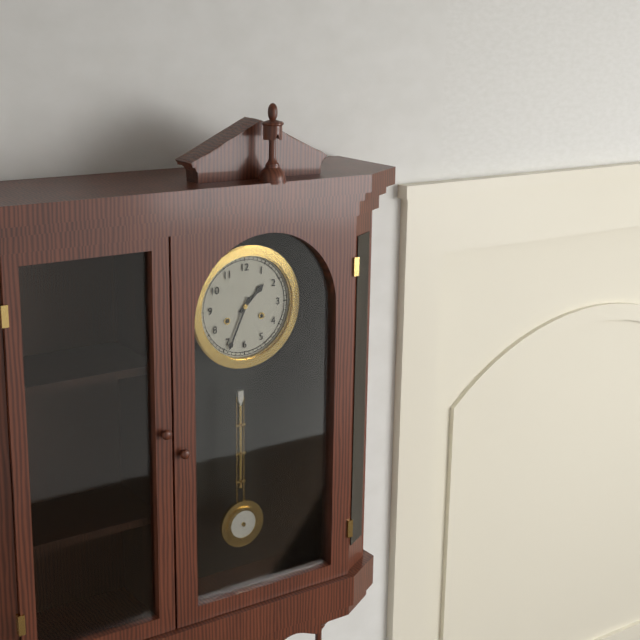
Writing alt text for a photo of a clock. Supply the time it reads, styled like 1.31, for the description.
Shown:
1.34
